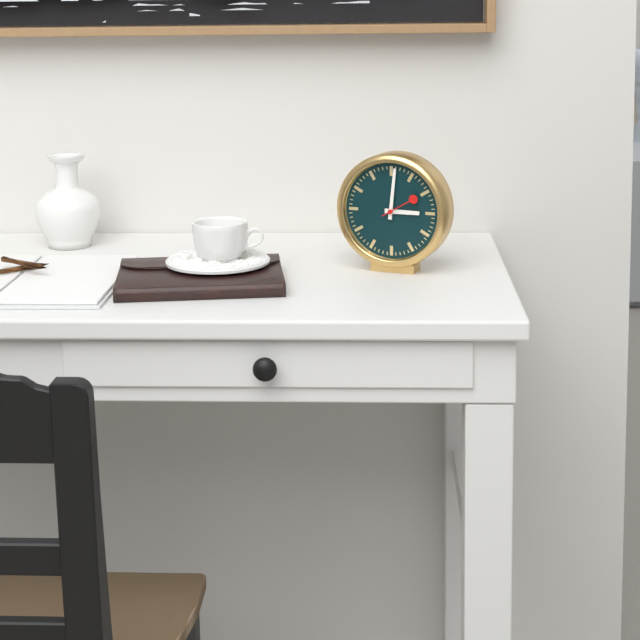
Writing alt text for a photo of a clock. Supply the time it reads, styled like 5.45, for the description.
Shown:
3.01
